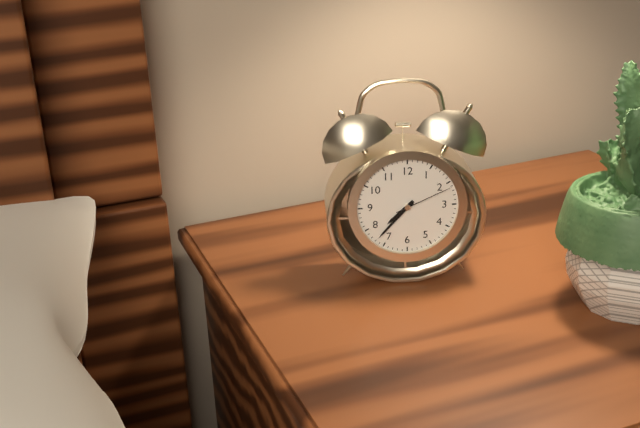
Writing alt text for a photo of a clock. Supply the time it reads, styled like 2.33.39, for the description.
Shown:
7.37.11
